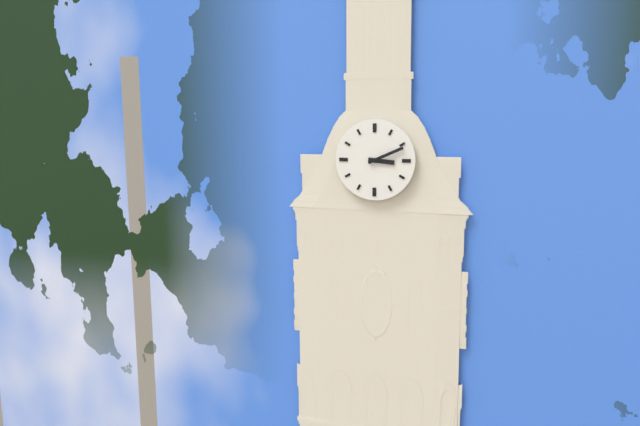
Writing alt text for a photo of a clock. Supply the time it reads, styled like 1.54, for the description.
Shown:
3.11
